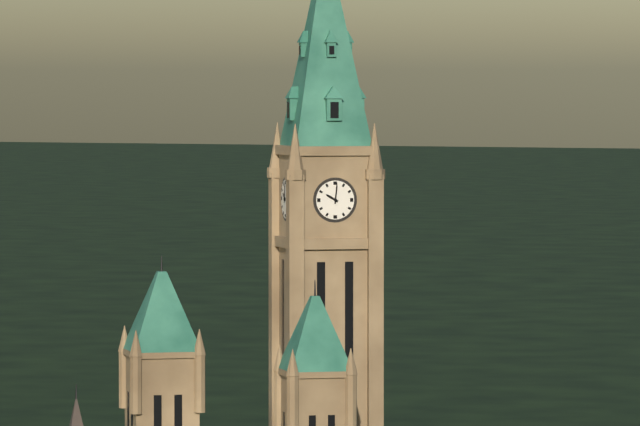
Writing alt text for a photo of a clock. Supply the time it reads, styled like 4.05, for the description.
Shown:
10.01
